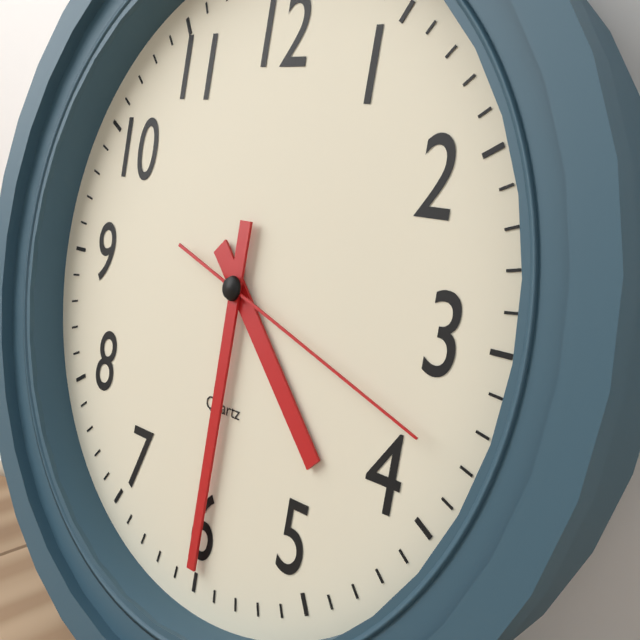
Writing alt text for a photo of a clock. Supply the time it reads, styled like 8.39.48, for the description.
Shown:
4.30.18
